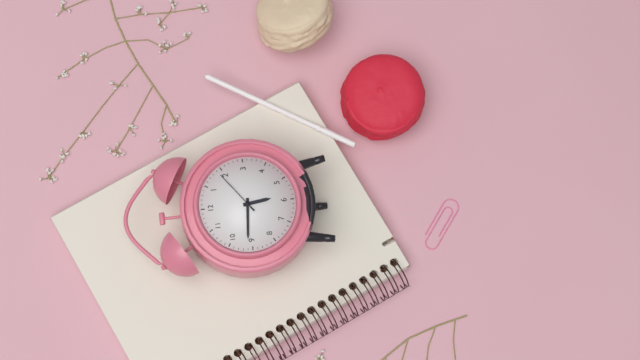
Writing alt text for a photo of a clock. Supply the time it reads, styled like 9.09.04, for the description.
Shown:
5.46.09
